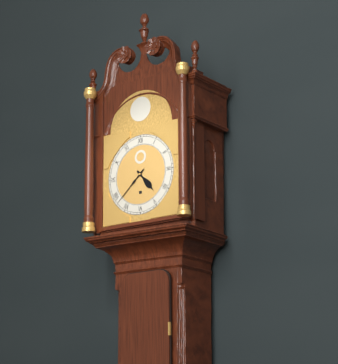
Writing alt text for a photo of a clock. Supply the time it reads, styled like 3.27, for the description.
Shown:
4.38
